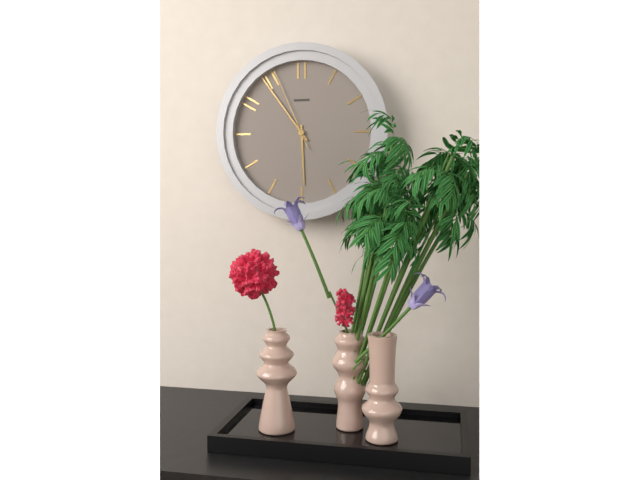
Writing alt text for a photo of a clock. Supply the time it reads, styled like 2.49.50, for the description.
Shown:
5.54.56
